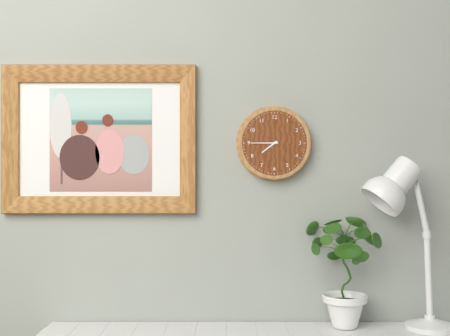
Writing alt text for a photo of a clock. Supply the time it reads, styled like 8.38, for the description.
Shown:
7.45
